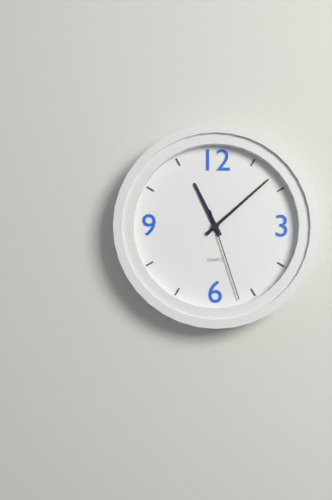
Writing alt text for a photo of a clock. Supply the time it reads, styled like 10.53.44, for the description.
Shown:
11.08.27
